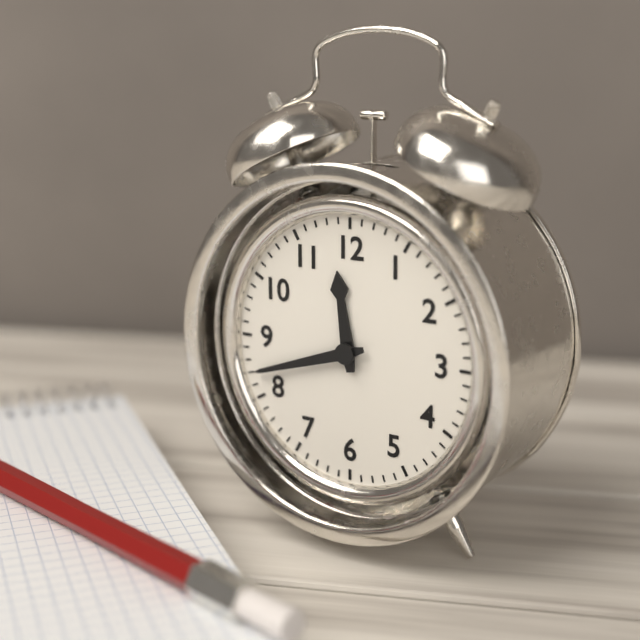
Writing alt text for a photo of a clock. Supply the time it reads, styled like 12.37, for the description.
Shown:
11.42
